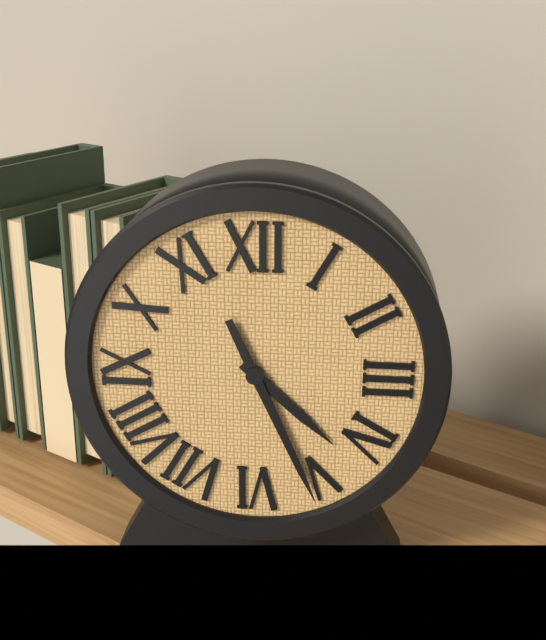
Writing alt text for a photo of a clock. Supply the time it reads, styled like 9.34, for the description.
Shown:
4.26
